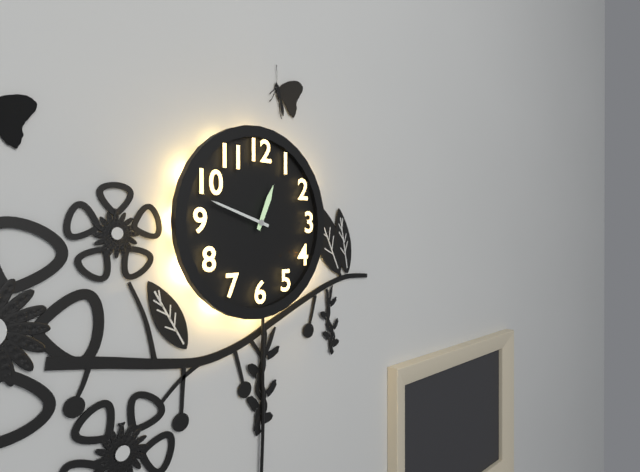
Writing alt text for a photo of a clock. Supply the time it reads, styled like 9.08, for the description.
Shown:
12.48
